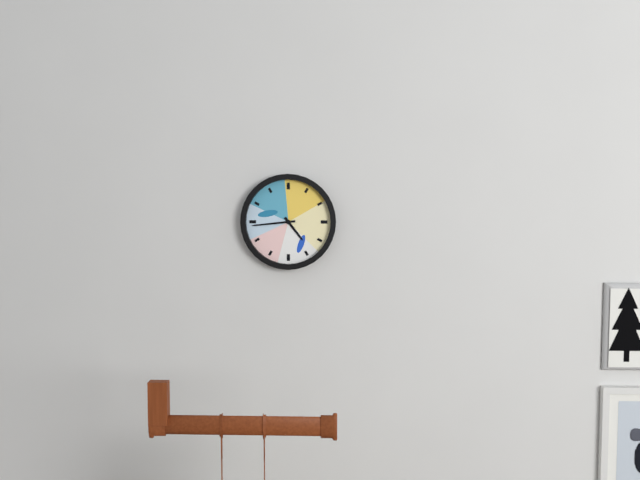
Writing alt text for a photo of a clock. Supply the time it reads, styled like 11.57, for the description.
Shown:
4.44
